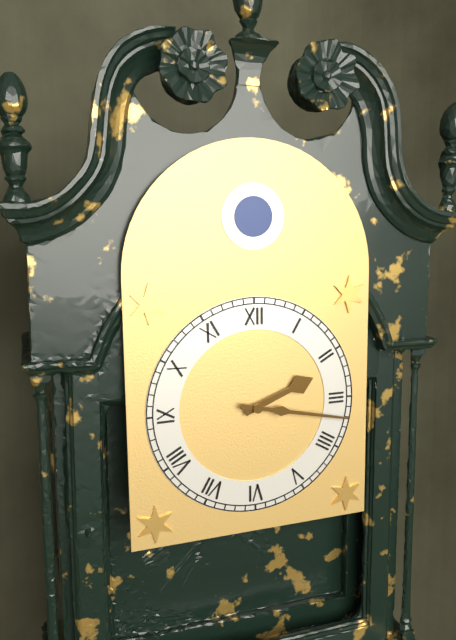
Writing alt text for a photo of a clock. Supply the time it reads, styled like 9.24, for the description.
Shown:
2.17
